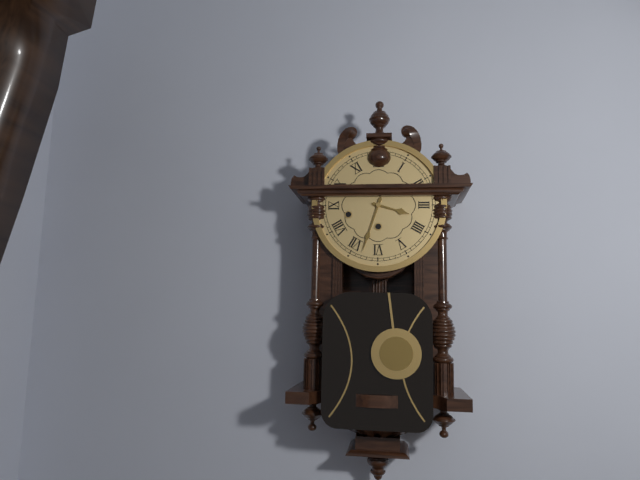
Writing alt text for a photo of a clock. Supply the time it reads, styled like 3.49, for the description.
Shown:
3.33
